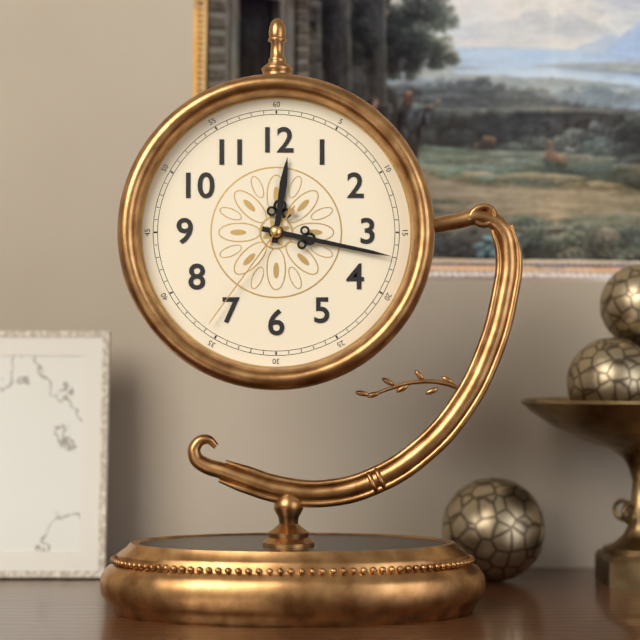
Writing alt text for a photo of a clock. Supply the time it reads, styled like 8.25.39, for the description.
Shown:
12.17.36
